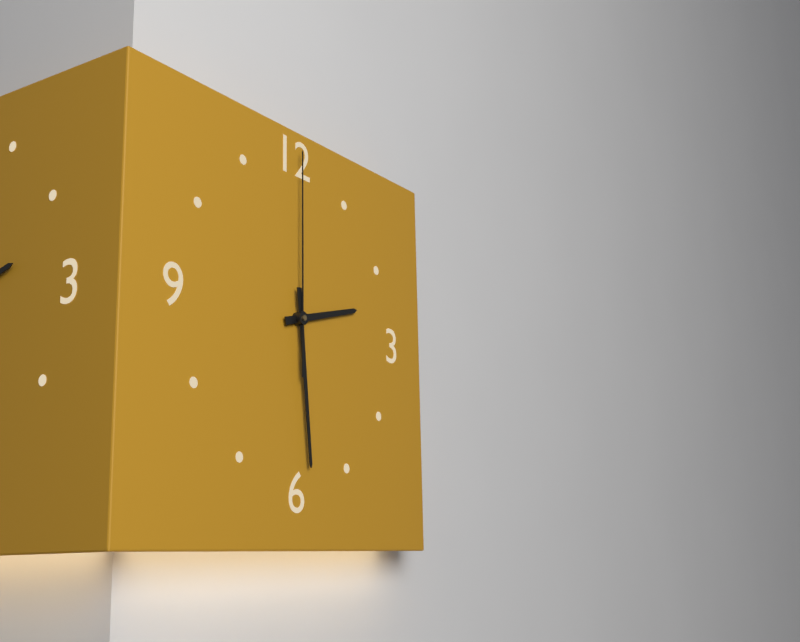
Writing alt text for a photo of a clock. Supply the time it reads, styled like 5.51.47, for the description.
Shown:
2.29.00
